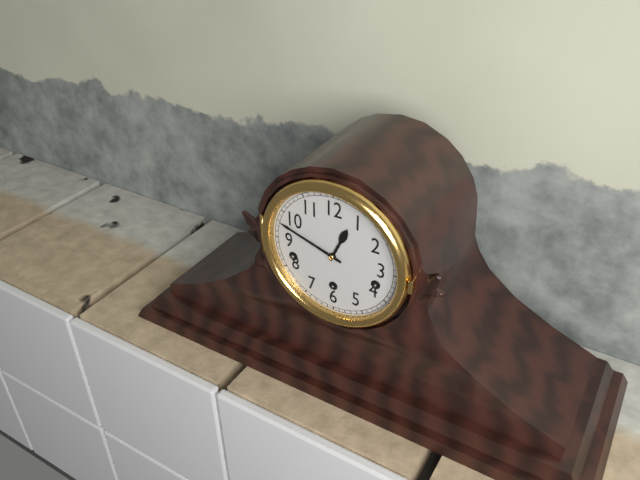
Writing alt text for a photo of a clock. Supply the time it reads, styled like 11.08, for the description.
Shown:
12.48
